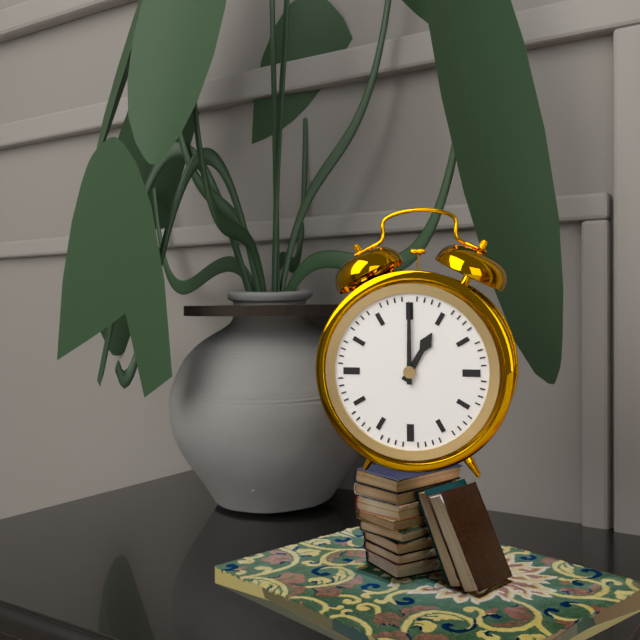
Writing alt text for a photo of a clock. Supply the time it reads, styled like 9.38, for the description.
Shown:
1.00
